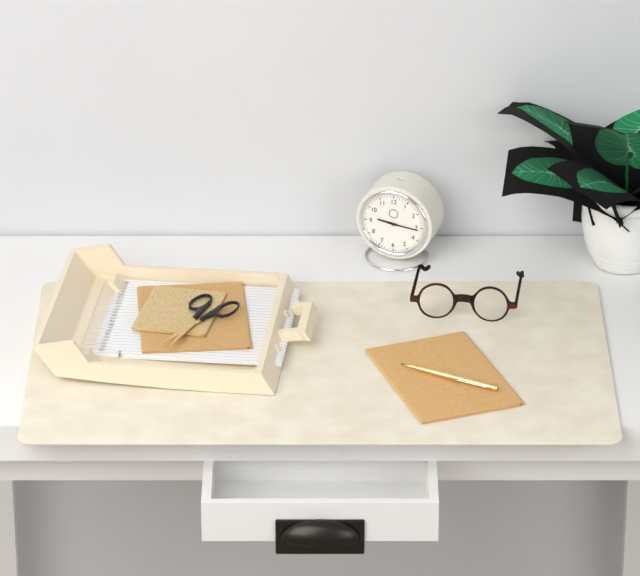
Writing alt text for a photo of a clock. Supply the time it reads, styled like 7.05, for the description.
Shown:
9.16
